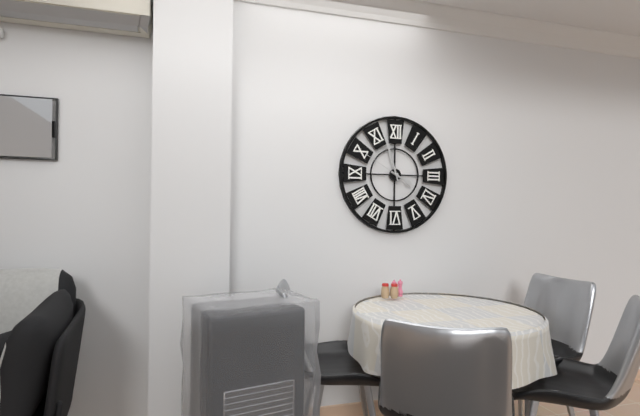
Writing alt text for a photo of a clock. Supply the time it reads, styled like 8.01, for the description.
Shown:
3.57
